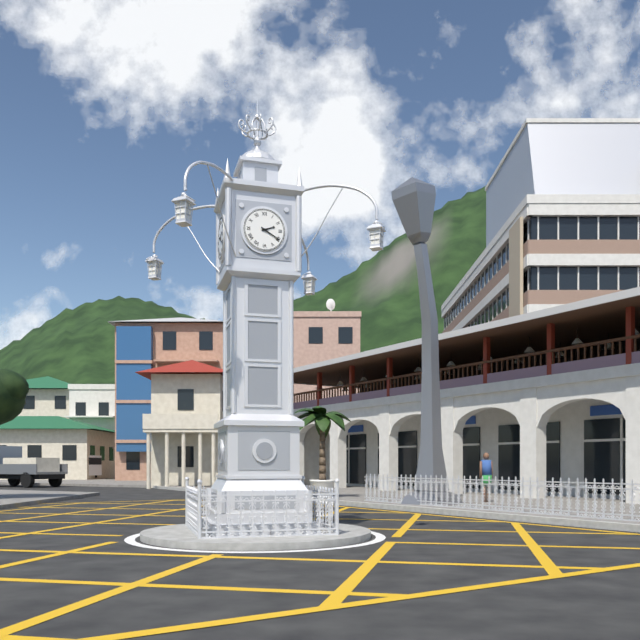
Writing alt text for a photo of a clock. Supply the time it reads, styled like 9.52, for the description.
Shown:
2.20
